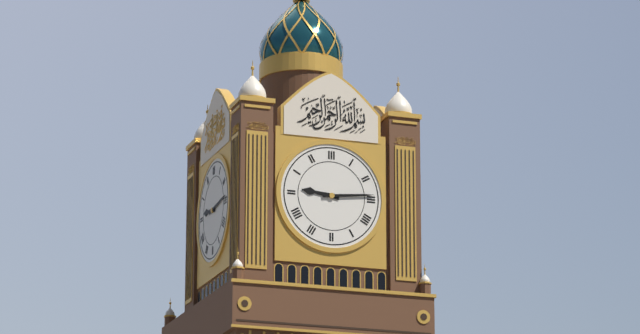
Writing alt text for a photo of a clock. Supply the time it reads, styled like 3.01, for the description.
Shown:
9.14
